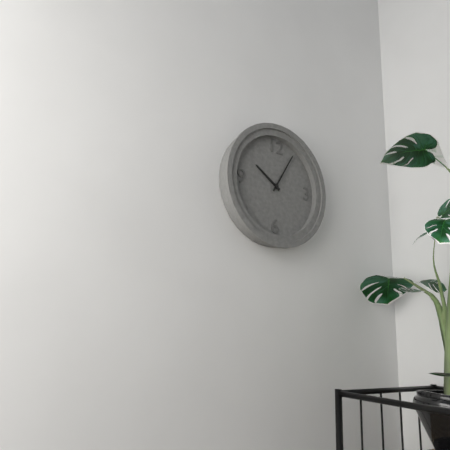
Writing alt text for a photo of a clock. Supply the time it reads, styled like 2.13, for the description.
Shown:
10.05
